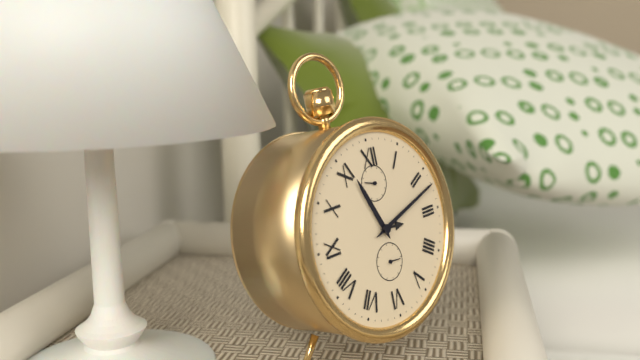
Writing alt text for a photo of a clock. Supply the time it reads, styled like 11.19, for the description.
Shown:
11.12
